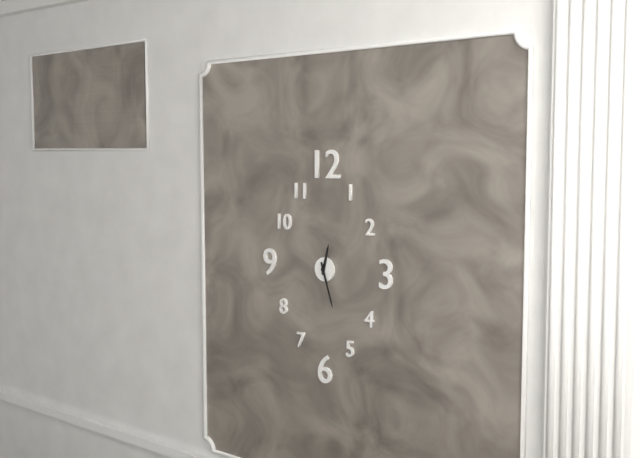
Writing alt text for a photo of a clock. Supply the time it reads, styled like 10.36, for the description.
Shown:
12.27
